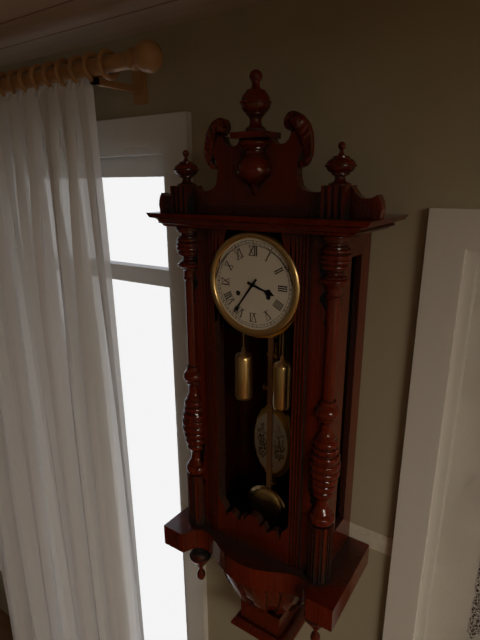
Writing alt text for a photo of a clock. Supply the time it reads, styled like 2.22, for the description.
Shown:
3.36
